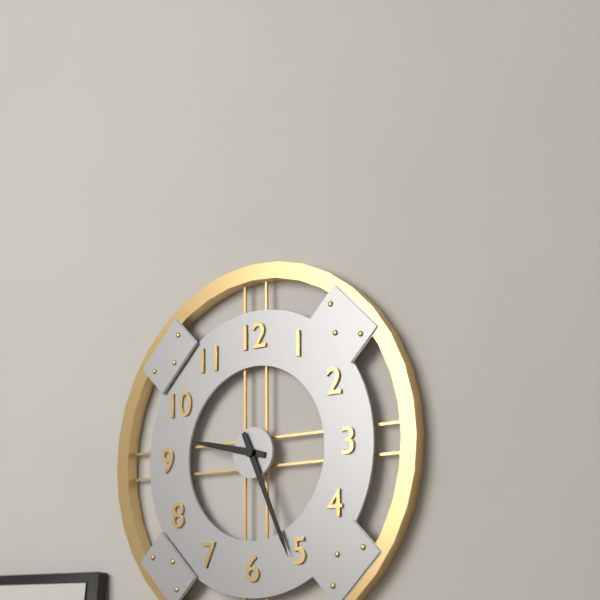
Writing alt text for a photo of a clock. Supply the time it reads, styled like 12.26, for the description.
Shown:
9.26
